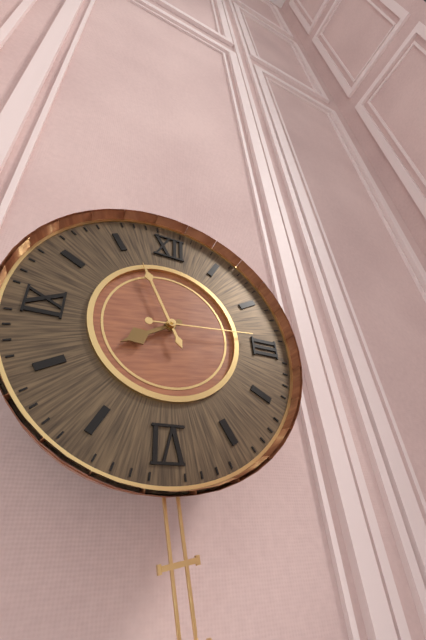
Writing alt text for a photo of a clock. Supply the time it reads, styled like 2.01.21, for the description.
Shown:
7.56.14
